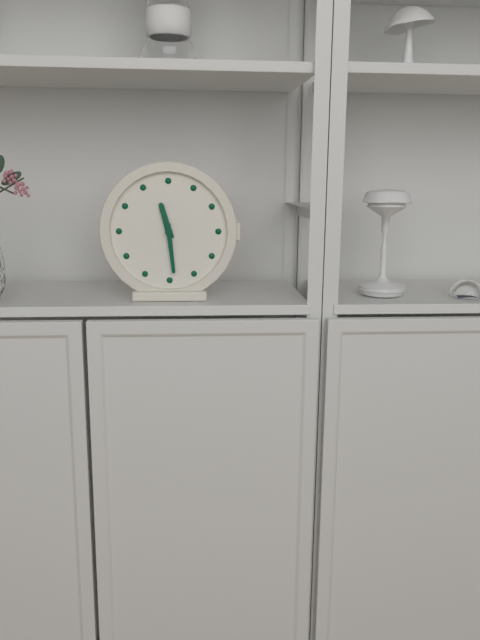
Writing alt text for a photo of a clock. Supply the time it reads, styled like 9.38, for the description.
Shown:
11.29
